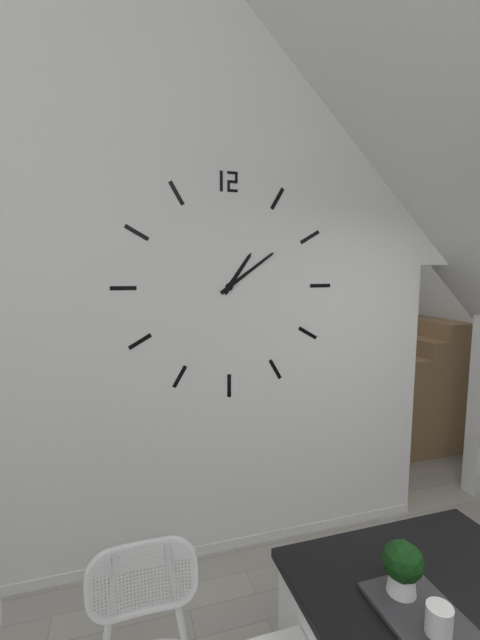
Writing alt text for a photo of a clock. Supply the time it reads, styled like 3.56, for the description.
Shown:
1.09
